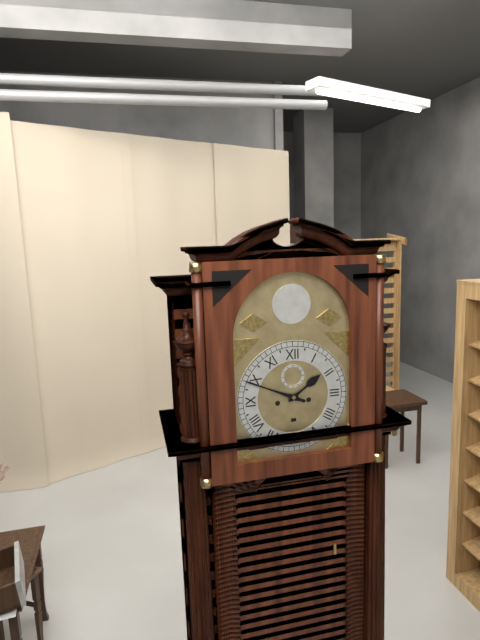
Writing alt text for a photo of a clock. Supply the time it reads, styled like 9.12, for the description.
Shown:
1.49
